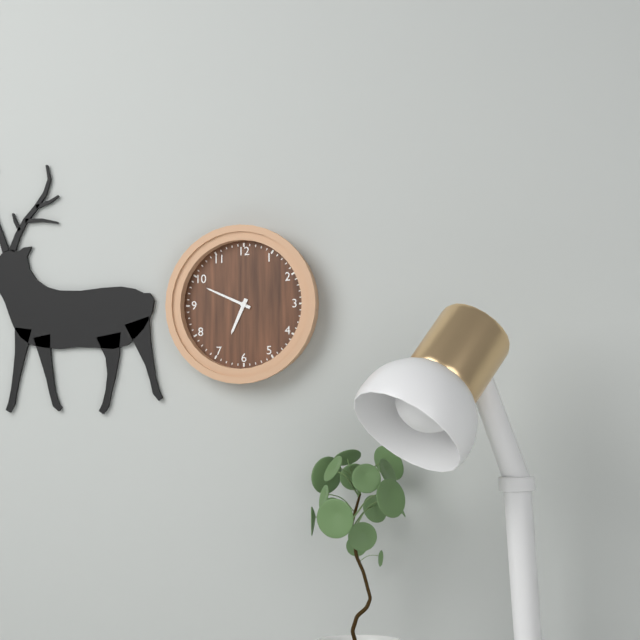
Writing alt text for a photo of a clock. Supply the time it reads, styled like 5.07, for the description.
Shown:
6.49
